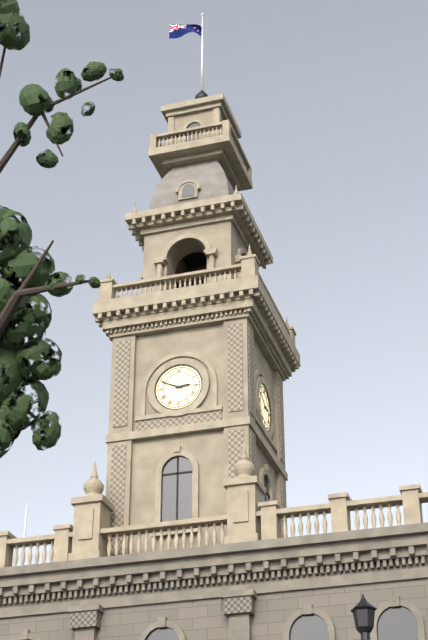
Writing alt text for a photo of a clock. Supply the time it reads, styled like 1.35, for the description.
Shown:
2.49
